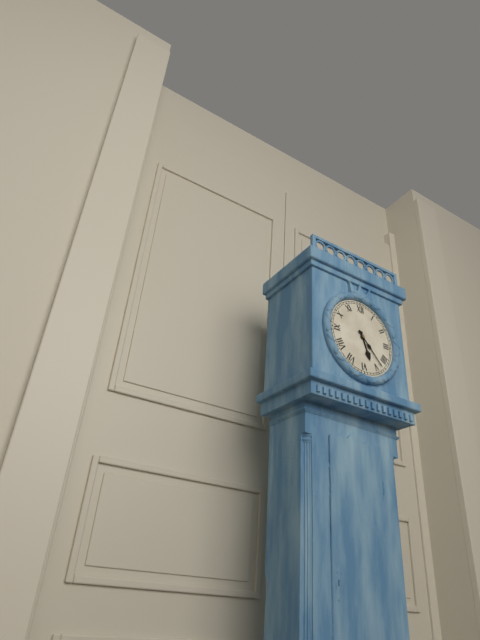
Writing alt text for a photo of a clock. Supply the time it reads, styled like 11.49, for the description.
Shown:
5.23
